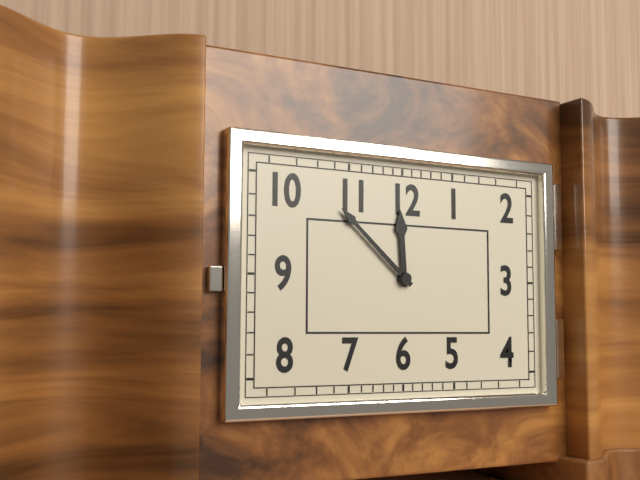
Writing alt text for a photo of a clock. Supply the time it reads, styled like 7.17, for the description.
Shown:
11.52
